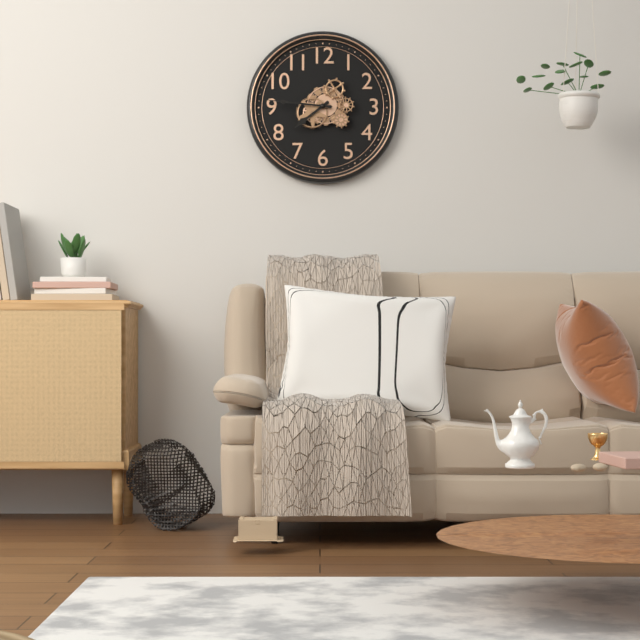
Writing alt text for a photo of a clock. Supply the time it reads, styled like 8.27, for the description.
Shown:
7.46
